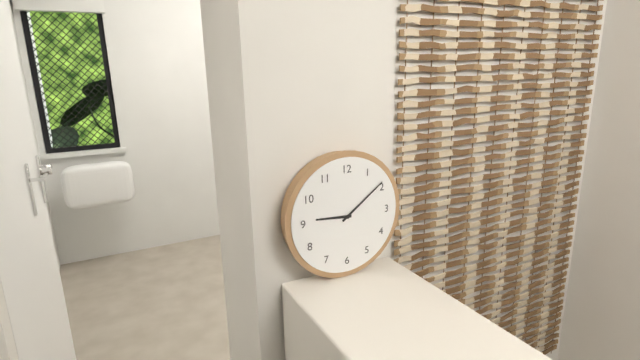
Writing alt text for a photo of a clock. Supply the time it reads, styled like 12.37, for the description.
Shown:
9.09
